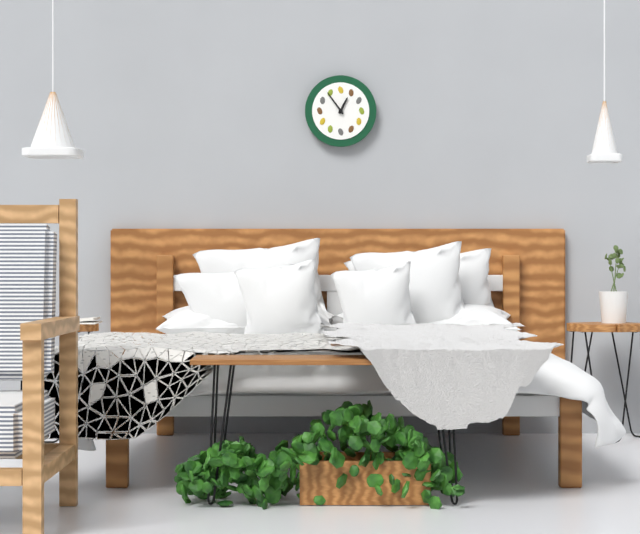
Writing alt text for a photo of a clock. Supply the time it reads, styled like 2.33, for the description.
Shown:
12.54
